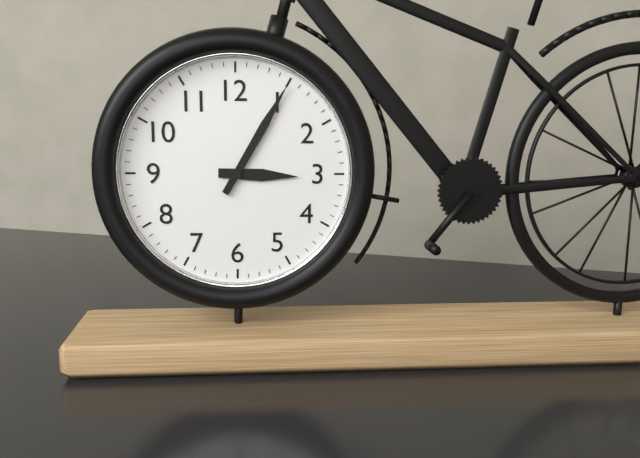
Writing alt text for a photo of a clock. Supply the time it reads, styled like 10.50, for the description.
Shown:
3.05
